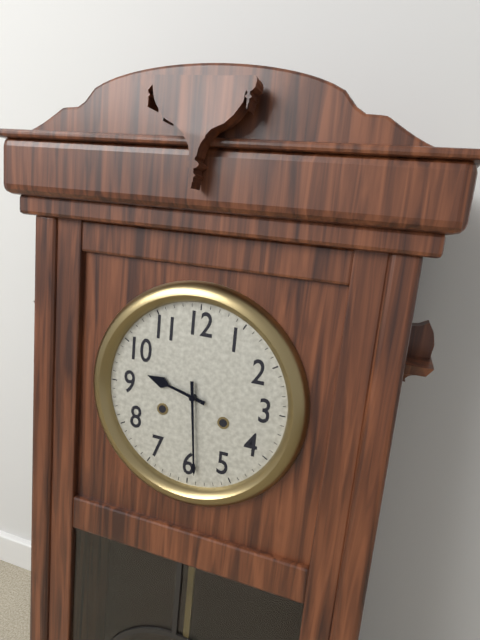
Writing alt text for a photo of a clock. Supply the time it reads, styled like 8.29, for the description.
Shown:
9.29
